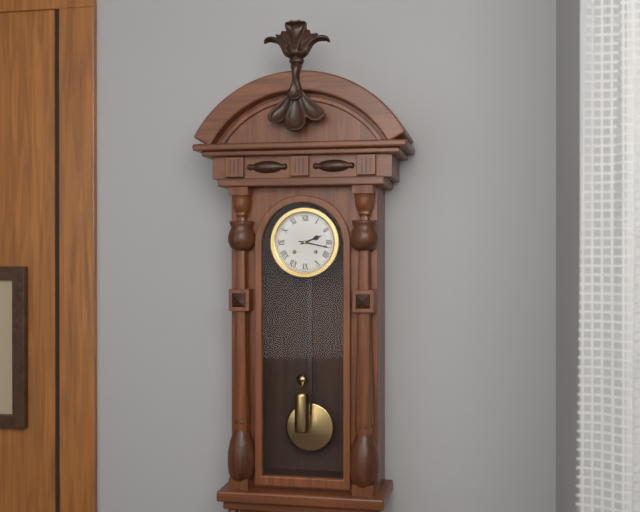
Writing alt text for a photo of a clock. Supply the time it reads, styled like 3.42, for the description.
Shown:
2.17
